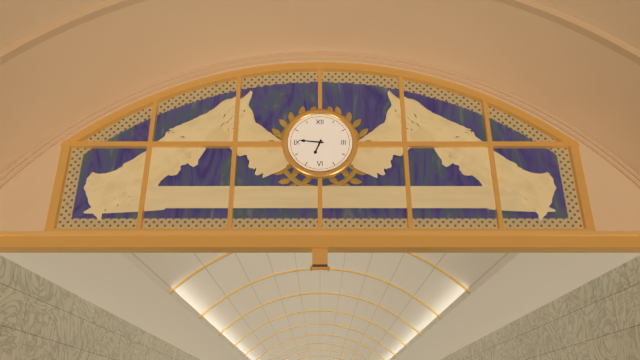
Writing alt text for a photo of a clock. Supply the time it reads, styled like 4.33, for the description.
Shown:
6.46
